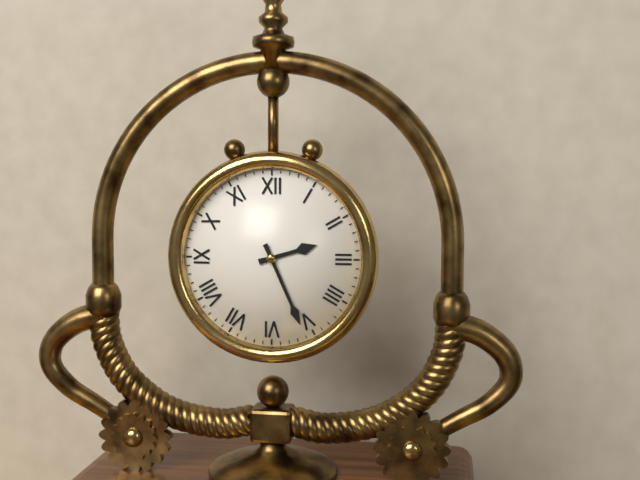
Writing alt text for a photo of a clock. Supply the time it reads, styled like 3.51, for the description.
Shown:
2.26
